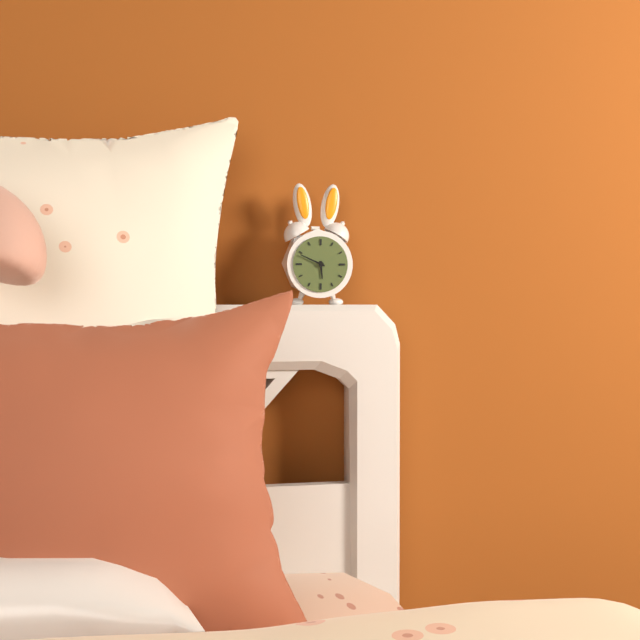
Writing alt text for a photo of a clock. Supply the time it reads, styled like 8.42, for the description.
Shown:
5.49
